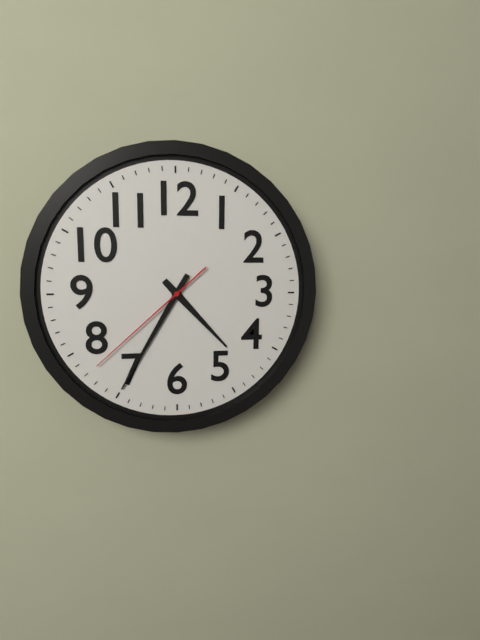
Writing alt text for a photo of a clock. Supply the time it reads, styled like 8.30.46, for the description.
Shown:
4.35.38
